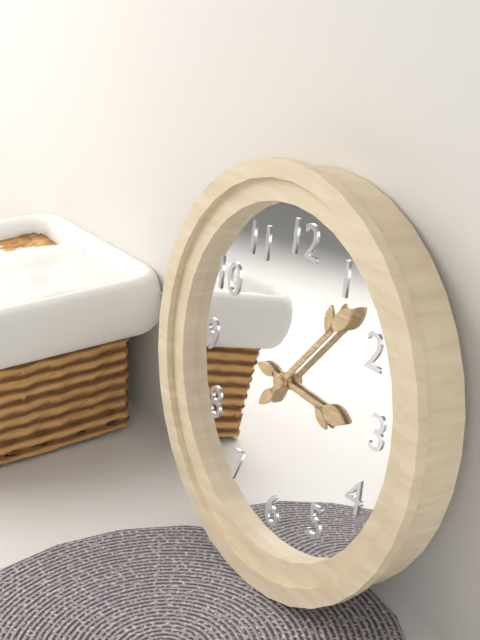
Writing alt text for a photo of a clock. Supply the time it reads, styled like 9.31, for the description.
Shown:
3.07
